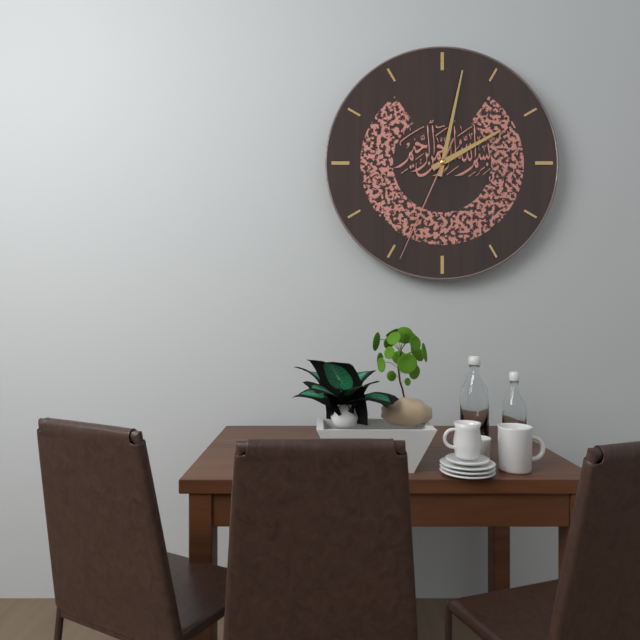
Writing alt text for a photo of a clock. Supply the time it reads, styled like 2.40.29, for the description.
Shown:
2.02.34
